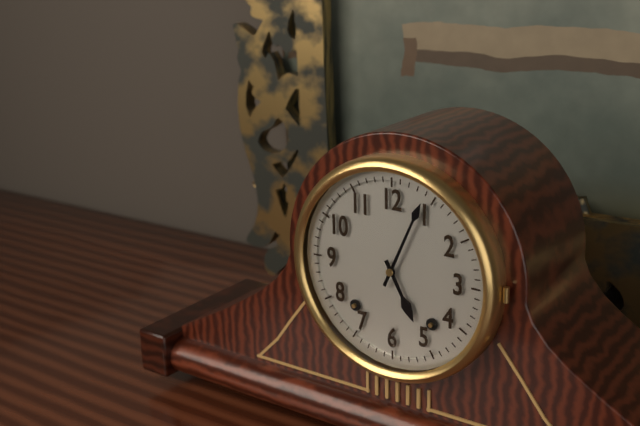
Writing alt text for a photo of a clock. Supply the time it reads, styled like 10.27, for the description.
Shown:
5.04
